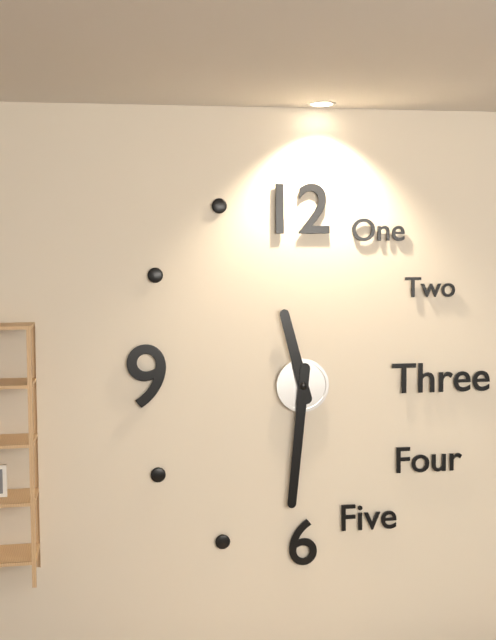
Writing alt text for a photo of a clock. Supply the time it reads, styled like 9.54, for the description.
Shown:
11.31
